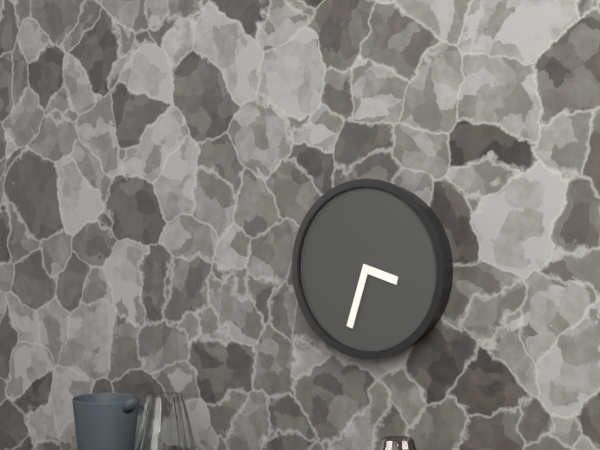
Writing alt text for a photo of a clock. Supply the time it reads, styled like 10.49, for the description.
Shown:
3.33
